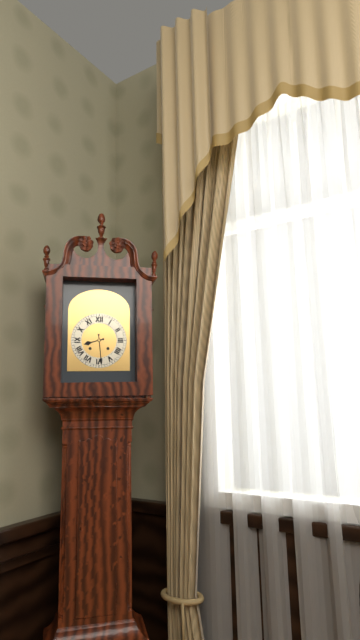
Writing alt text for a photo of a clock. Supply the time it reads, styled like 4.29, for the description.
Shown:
8.29
